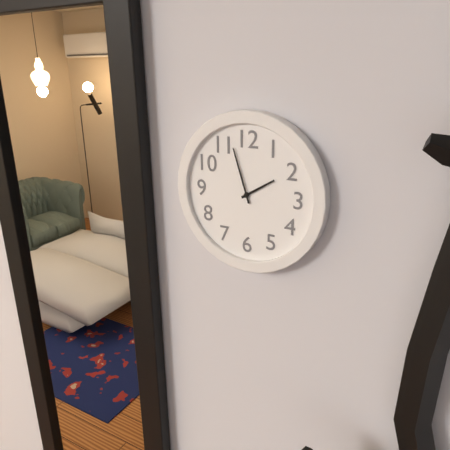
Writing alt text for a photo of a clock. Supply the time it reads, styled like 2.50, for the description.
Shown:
1.57
